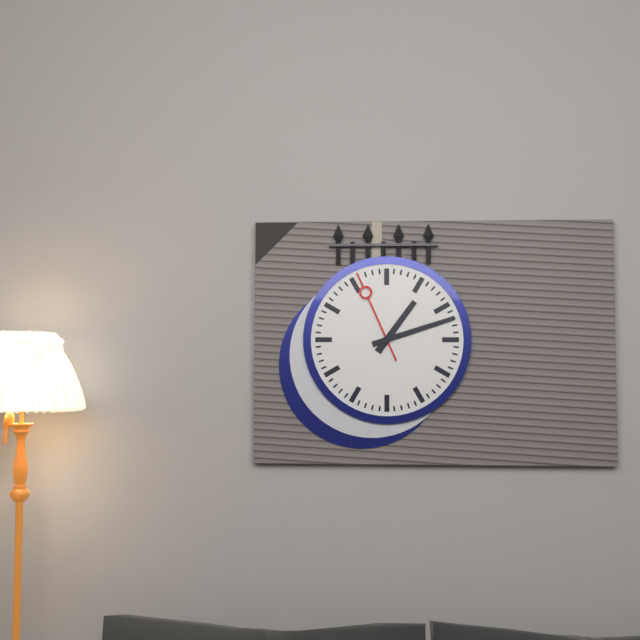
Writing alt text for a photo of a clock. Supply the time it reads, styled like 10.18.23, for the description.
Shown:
1.12.56
